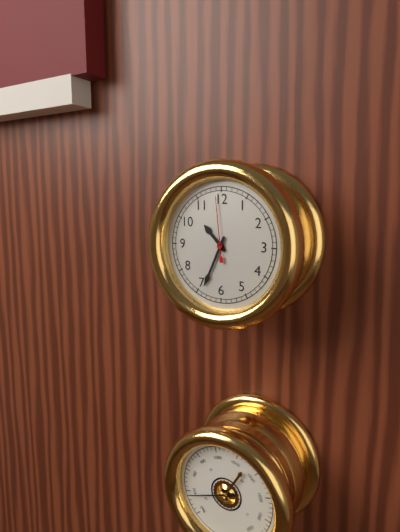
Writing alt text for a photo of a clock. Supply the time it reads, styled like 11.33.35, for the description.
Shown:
10.34.59
